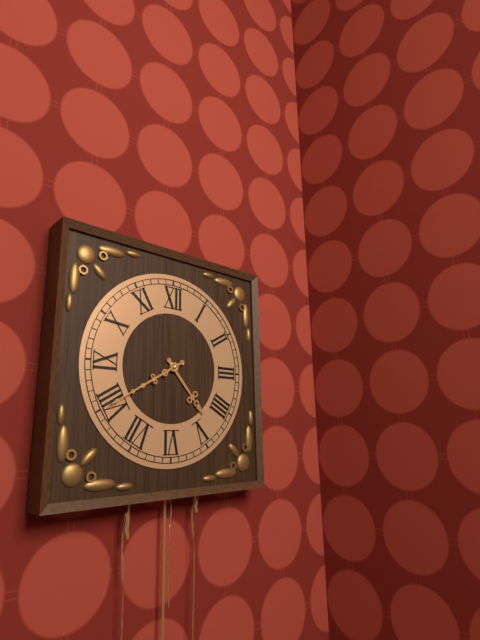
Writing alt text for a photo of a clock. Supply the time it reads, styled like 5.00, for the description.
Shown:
4.40
